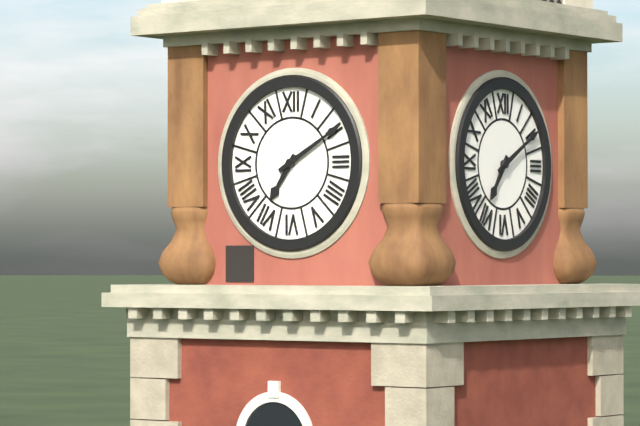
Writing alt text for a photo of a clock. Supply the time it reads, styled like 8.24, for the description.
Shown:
7.10
